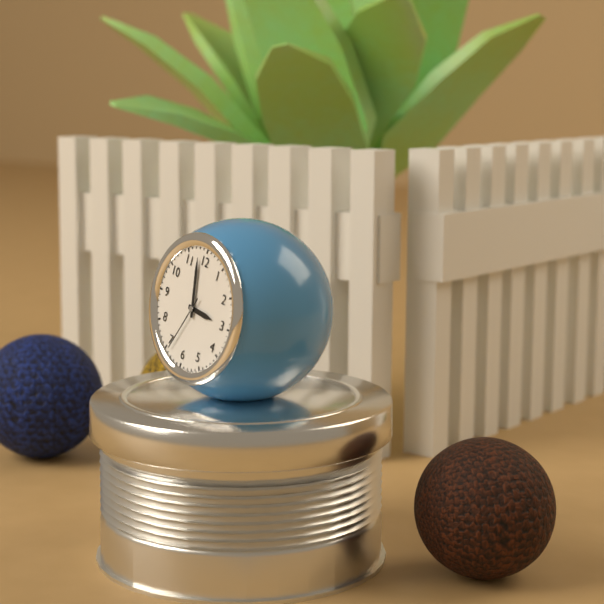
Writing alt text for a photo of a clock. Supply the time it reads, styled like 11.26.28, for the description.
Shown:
2.58.34
